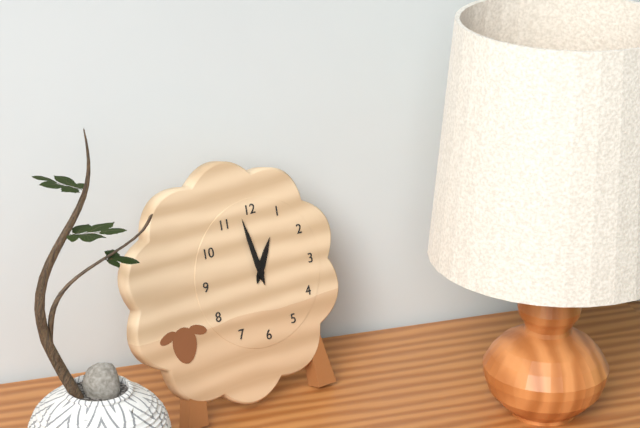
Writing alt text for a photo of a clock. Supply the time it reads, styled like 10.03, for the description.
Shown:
12.58
